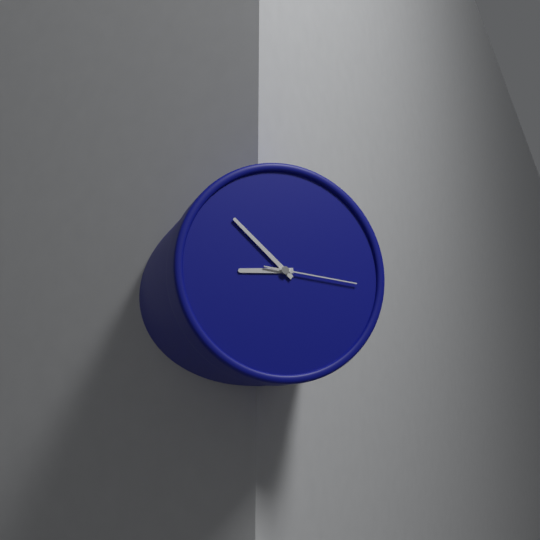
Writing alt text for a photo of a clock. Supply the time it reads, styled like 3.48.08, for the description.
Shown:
8.52.16
